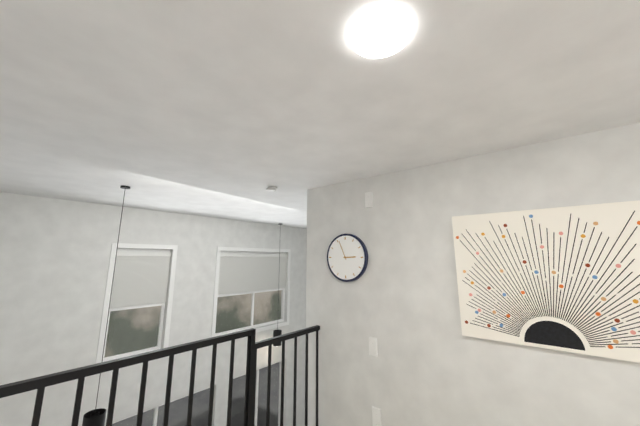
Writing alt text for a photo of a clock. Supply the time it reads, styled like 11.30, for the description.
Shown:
2.56
